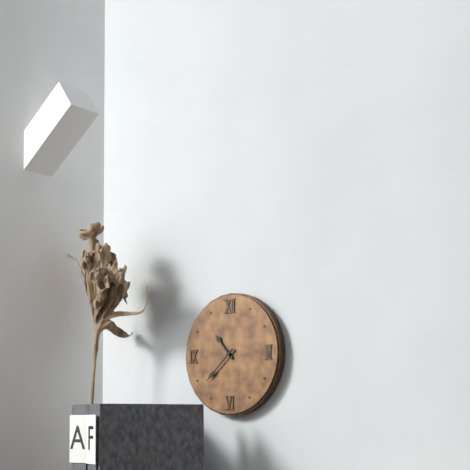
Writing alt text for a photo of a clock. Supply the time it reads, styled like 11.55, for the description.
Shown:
10.38
